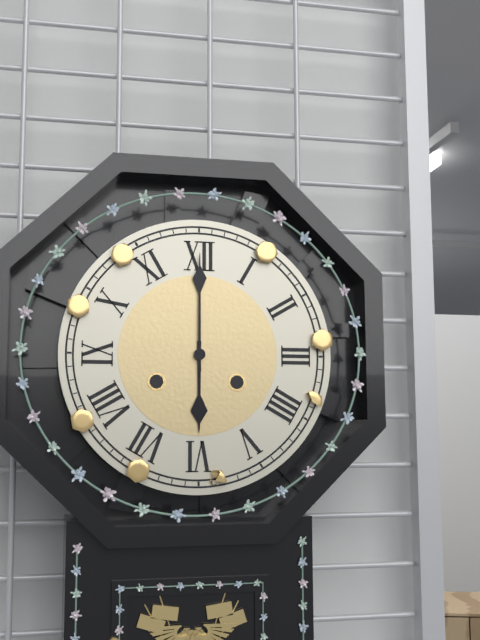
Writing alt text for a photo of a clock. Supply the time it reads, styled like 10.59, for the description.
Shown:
6.00
